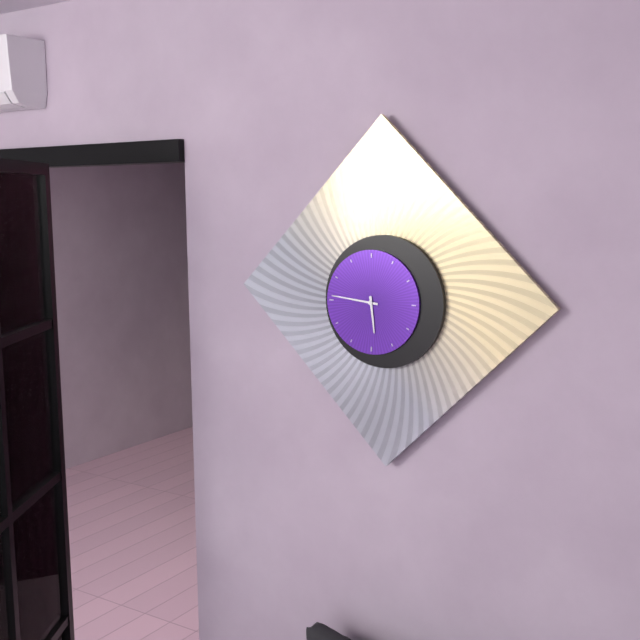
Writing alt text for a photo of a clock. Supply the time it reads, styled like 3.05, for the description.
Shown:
5.46
